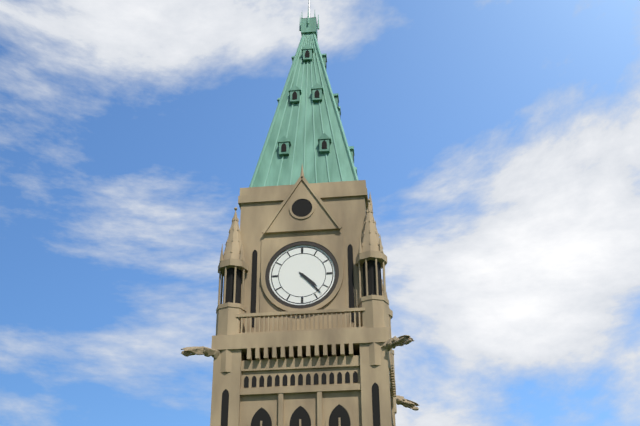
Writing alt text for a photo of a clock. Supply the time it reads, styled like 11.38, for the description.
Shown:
4.23
